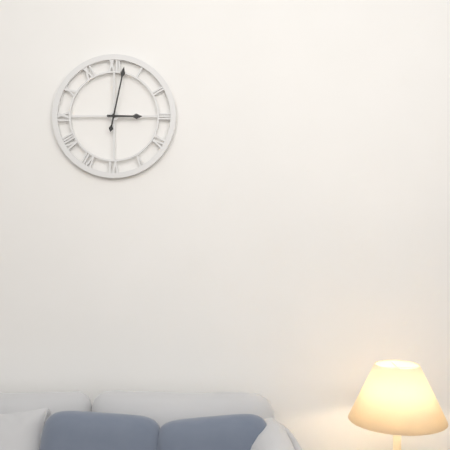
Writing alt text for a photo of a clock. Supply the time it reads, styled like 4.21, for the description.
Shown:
3.02
